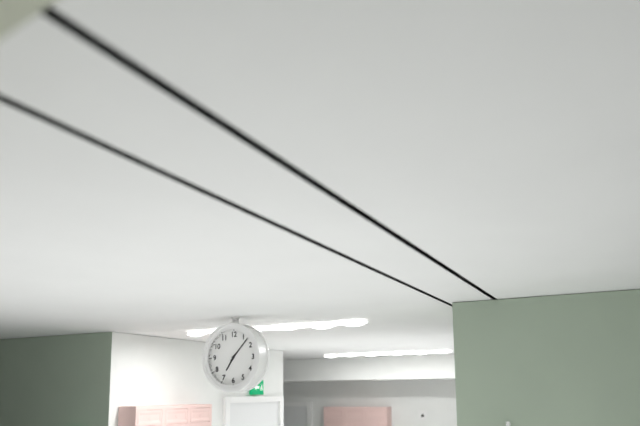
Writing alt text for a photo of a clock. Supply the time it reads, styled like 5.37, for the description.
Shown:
7.07
